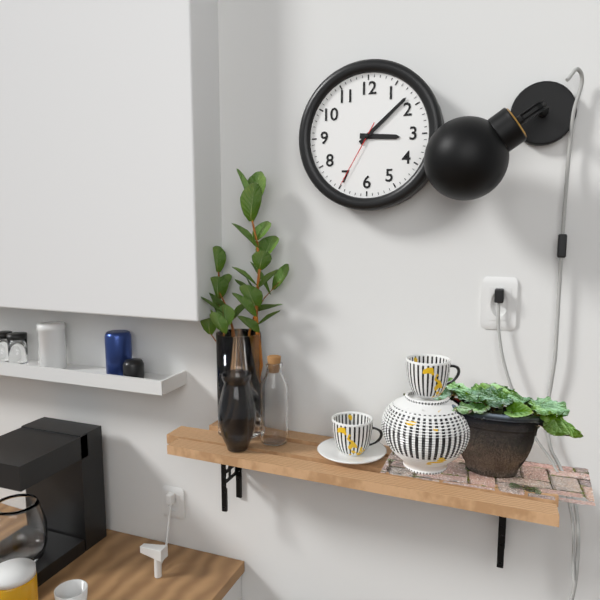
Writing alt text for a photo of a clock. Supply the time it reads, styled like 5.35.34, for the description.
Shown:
3.08.35
